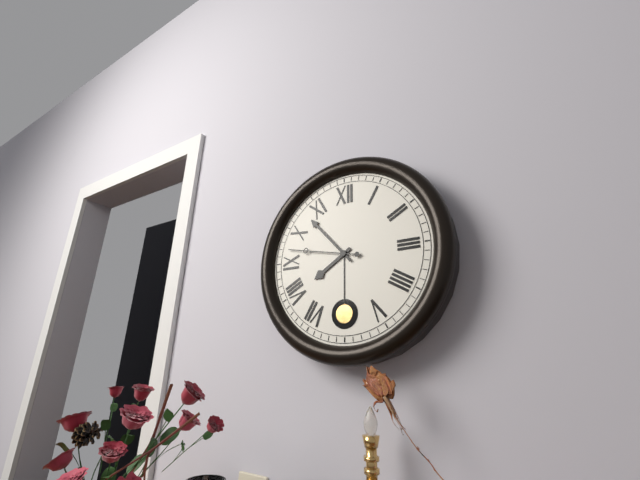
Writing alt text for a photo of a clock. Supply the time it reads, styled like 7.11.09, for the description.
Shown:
7.53.47
